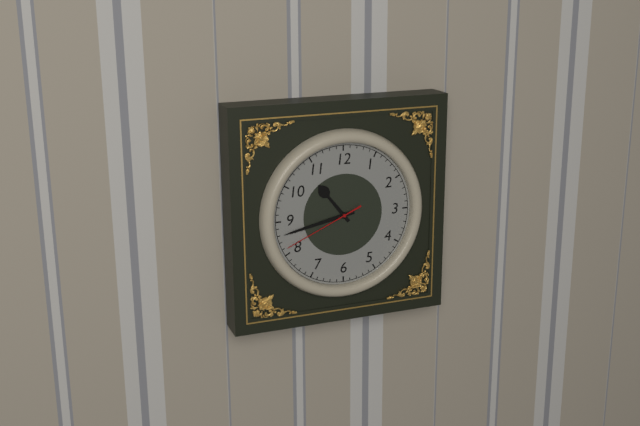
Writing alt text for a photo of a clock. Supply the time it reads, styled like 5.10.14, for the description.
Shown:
10.43.41
